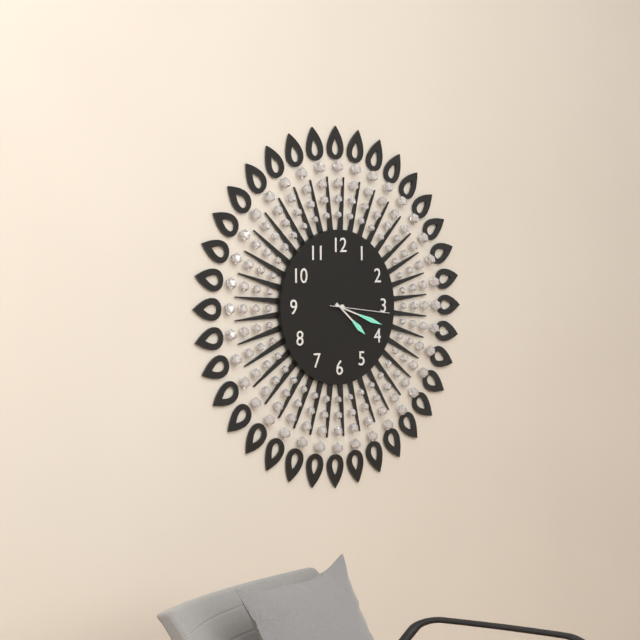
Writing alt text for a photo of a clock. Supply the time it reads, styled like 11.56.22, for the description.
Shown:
4.18.16
